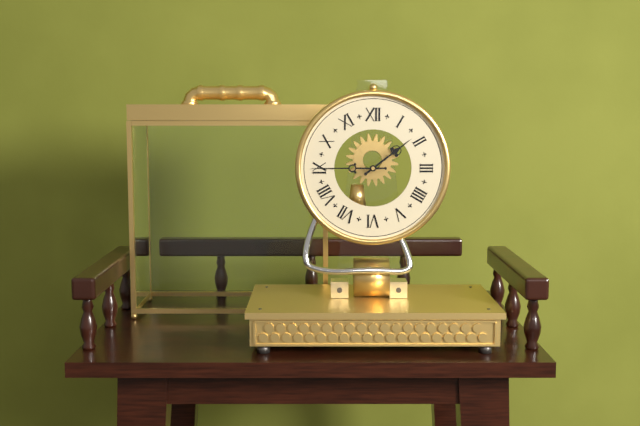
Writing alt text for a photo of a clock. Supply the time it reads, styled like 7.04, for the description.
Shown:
1.45
